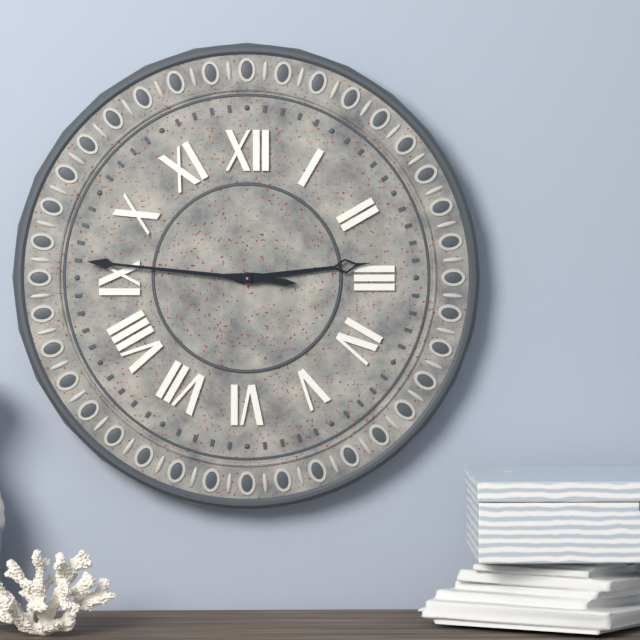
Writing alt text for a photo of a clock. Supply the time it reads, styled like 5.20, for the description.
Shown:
2.46
